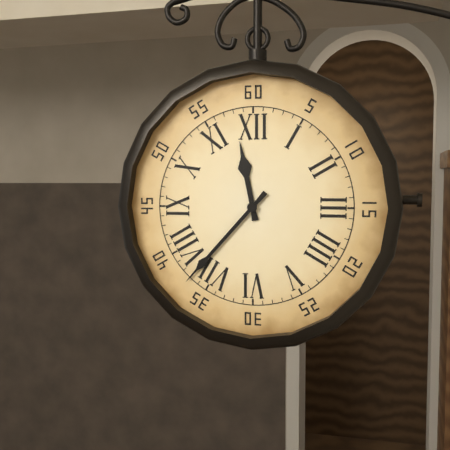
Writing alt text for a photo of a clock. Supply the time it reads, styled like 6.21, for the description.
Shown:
11.37
